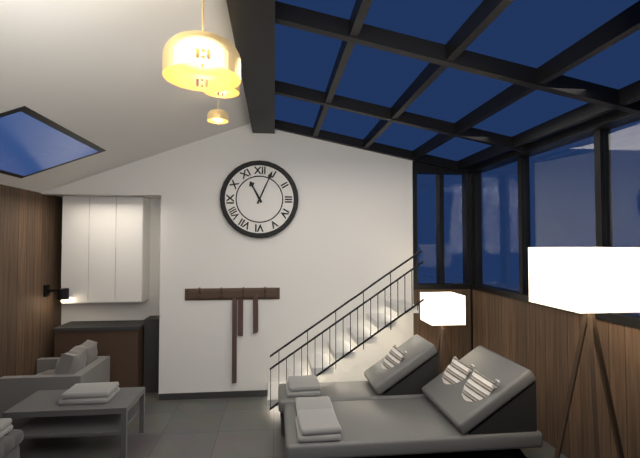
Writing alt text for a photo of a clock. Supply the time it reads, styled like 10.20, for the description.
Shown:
11.04
